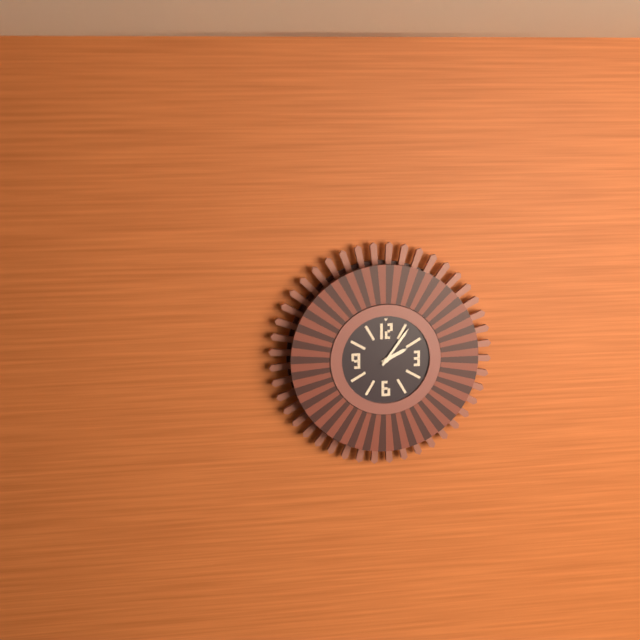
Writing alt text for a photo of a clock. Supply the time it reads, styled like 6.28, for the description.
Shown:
2.06
